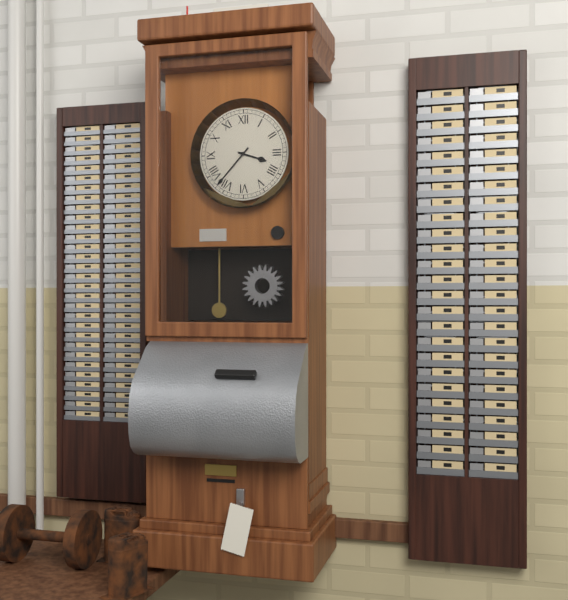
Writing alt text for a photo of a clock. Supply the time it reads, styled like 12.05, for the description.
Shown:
3.37
